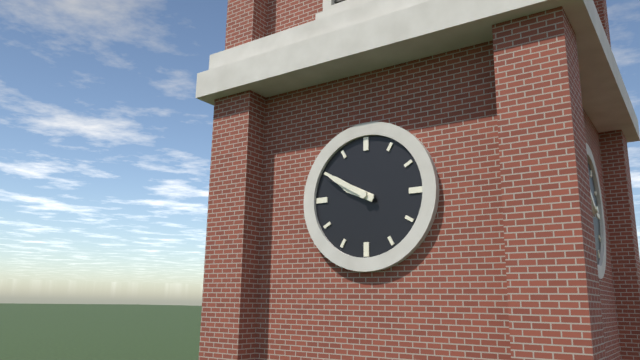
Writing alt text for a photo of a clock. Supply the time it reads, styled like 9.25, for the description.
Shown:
9.50
